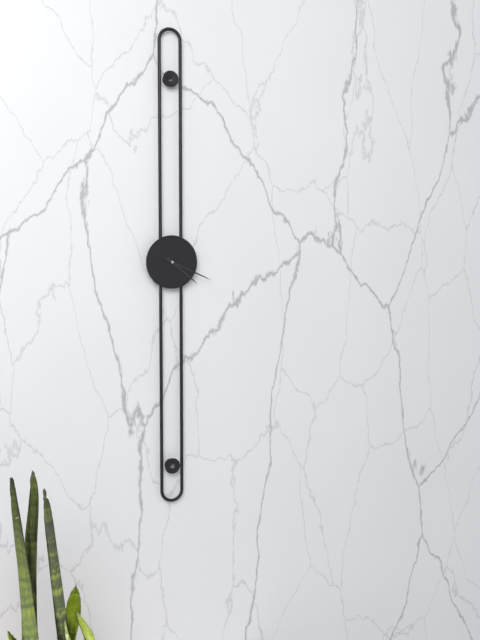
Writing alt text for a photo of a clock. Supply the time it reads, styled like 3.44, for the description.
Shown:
4.19
